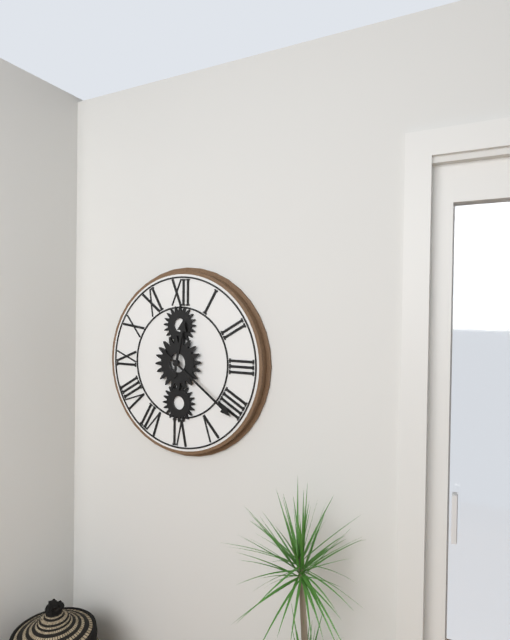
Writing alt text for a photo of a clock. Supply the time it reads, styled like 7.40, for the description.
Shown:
12.21
